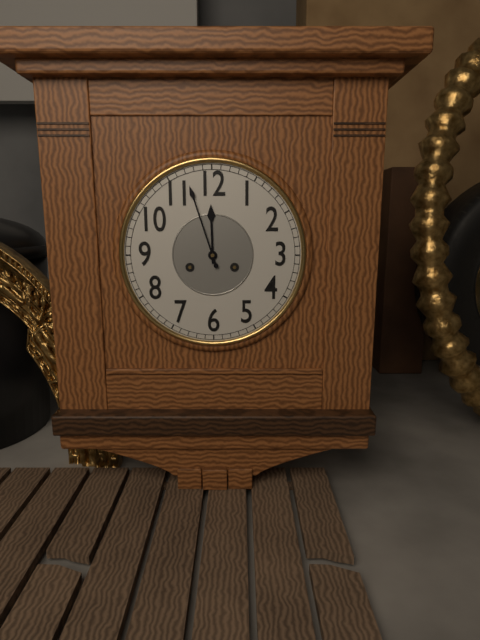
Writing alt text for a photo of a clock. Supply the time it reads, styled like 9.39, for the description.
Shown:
11.57
